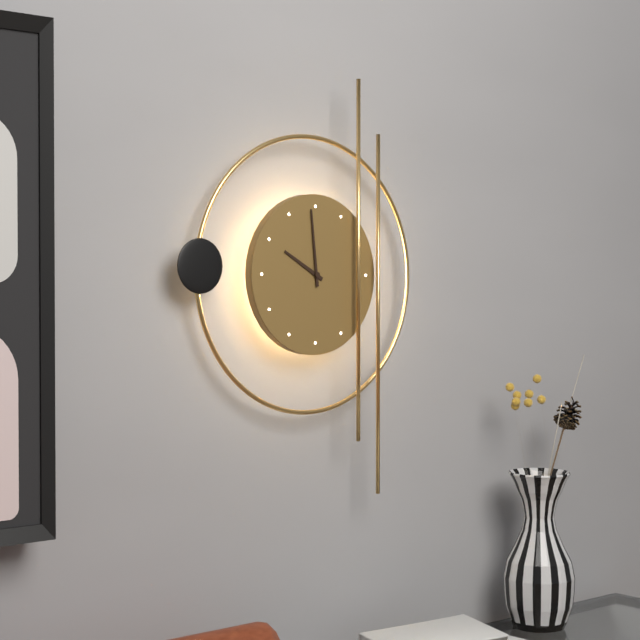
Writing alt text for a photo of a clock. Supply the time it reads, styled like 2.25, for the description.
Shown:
9.59
